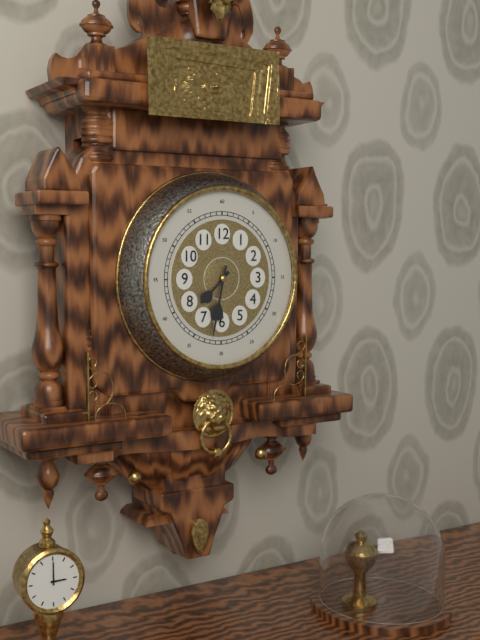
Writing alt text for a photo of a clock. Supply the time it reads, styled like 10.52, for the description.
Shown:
7.32
